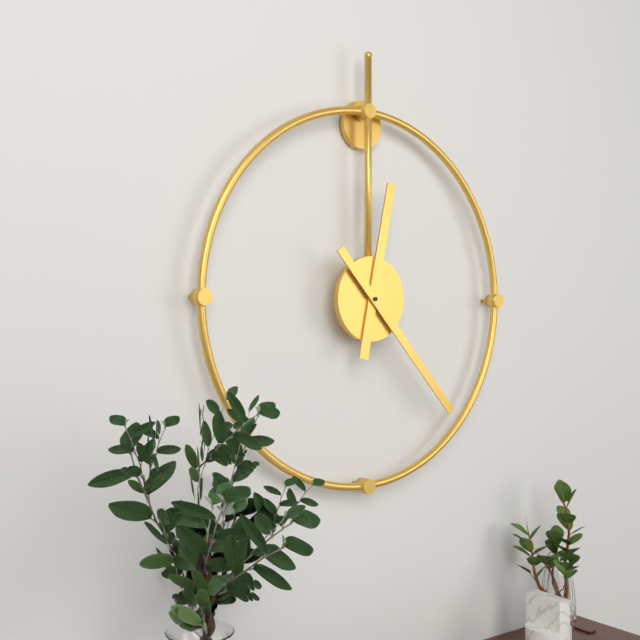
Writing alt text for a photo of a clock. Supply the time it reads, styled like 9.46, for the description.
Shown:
12.23
